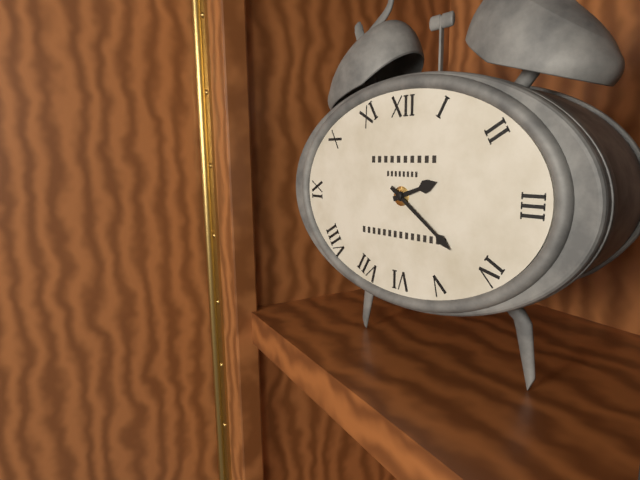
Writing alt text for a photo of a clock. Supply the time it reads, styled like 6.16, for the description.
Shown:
2.21
